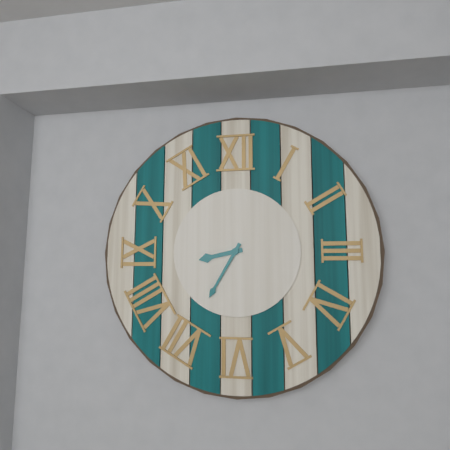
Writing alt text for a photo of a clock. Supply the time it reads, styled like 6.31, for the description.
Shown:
8.35
